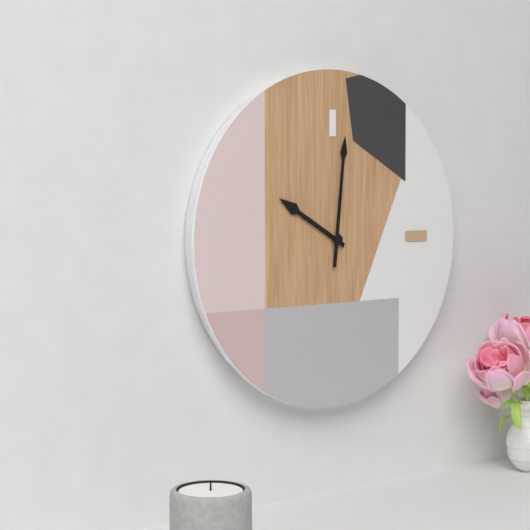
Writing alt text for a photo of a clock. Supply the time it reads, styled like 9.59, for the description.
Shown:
10.01
